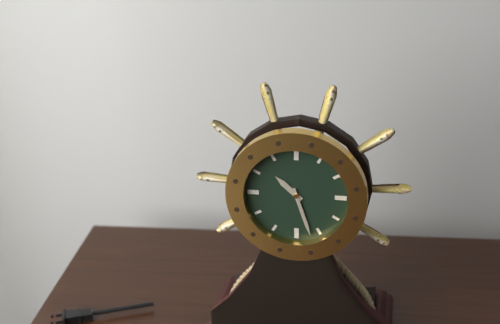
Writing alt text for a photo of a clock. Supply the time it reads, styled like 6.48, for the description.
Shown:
10.27
